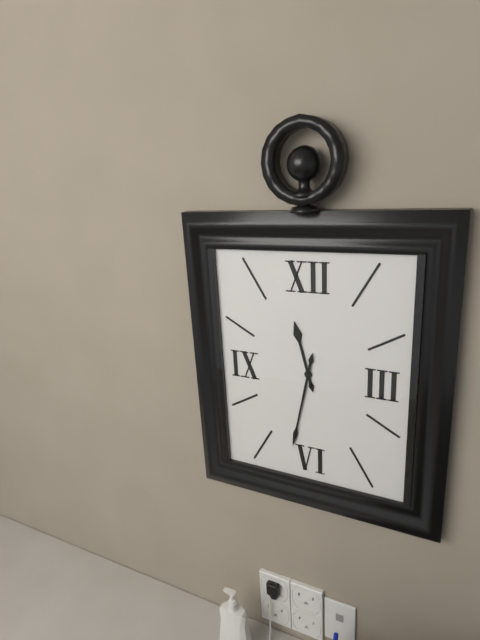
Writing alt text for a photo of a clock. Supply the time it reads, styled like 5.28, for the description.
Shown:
11.32
